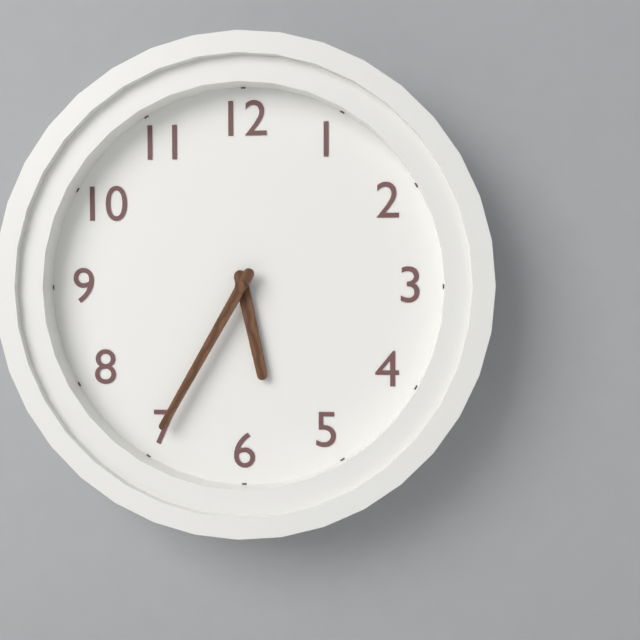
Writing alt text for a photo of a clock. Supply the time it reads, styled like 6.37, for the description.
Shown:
5.35
